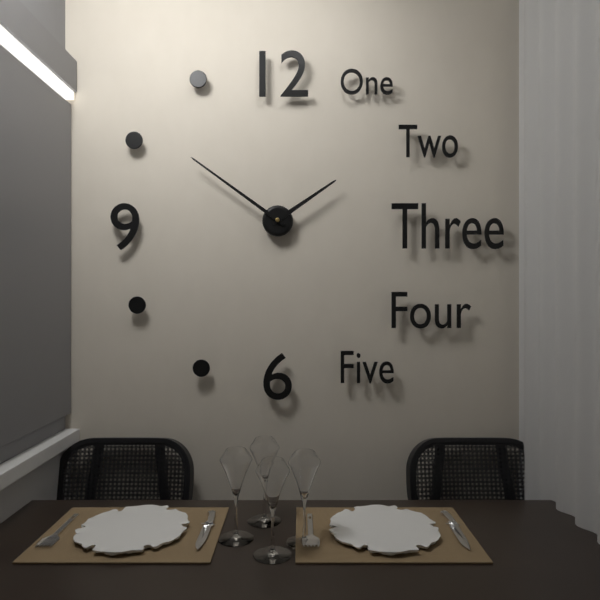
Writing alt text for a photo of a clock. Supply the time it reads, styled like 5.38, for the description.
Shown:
1.51
